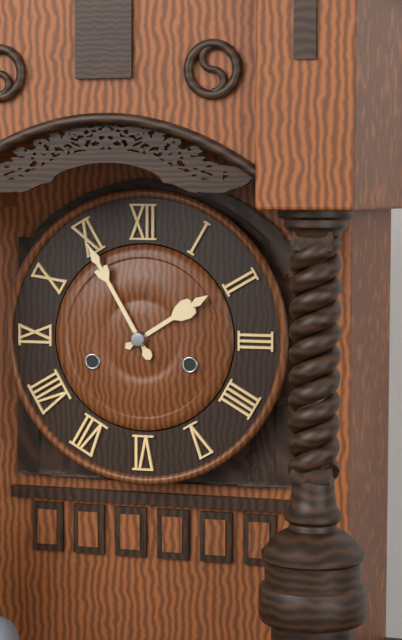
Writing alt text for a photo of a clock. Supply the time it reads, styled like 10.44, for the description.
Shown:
1.55
